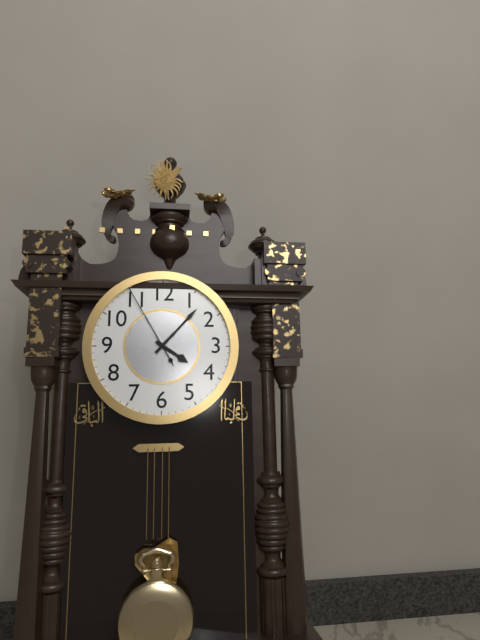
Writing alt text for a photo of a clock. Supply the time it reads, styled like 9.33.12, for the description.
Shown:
4.07.55
